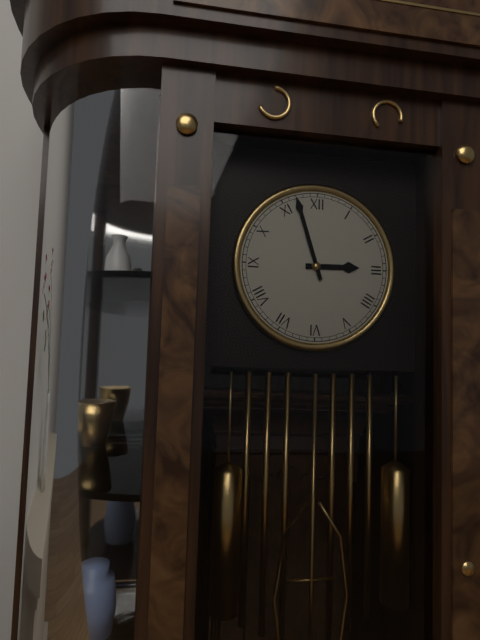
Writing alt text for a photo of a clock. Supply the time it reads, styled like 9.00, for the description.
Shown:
2.57
